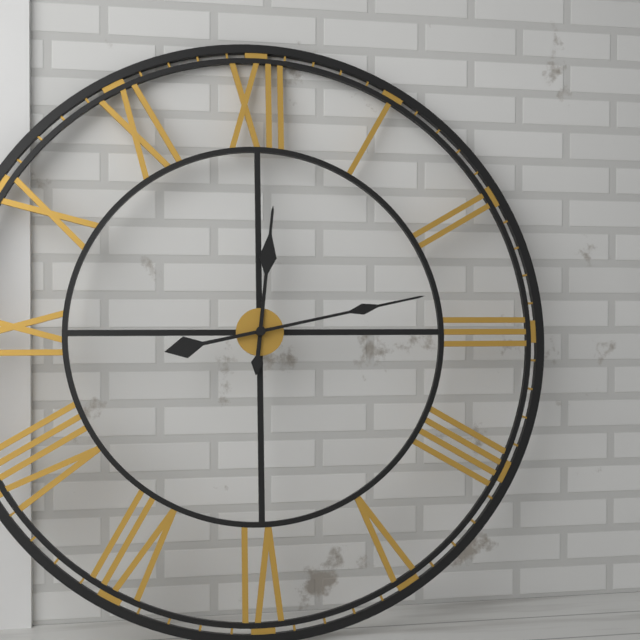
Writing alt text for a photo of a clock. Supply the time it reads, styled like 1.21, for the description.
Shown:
12.13
